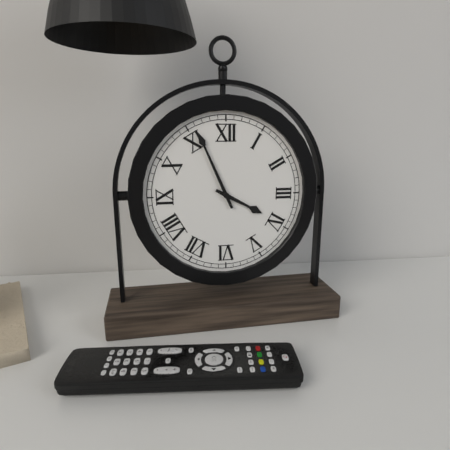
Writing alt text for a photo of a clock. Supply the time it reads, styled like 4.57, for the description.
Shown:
3.56
